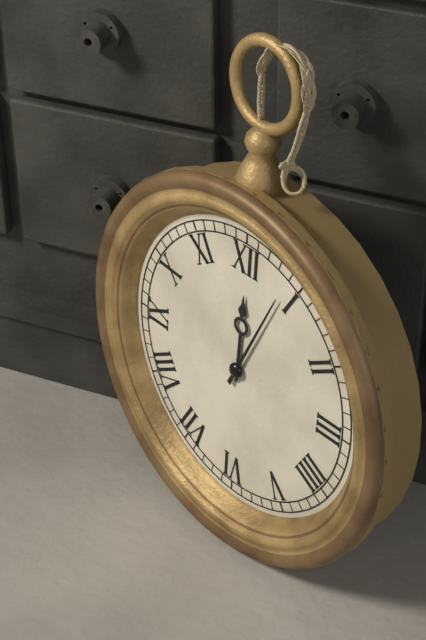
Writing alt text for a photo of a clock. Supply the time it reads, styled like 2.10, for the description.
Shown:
12.04
